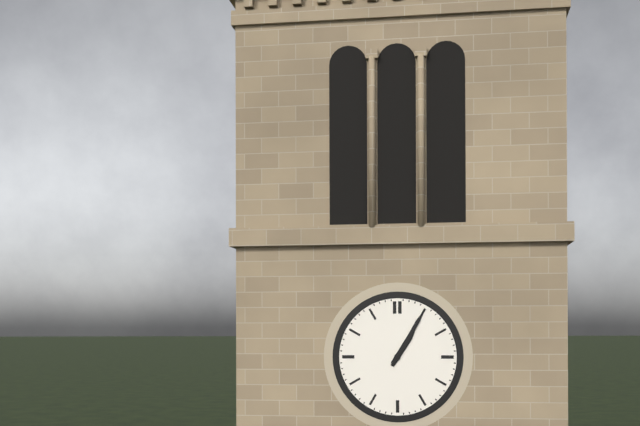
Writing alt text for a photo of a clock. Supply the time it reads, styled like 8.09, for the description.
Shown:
1.05
